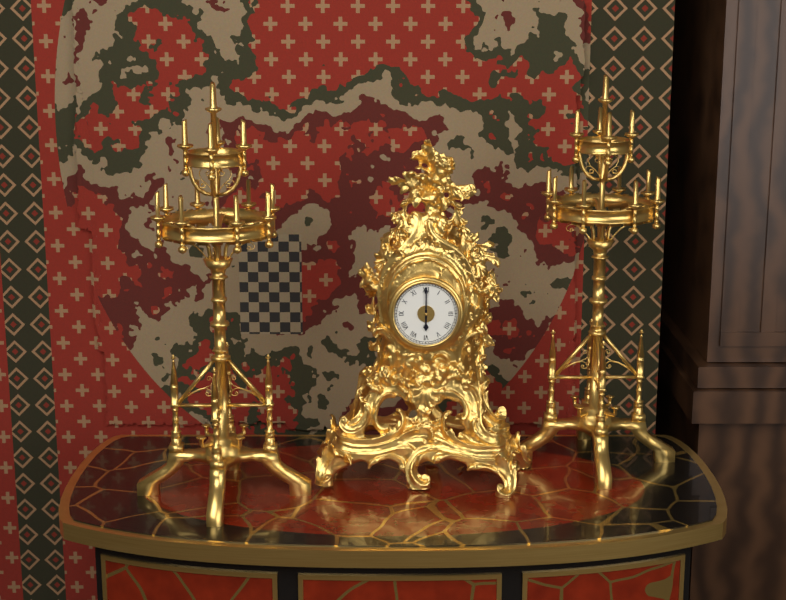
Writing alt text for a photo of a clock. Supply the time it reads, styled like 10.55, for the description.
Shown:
6.00
